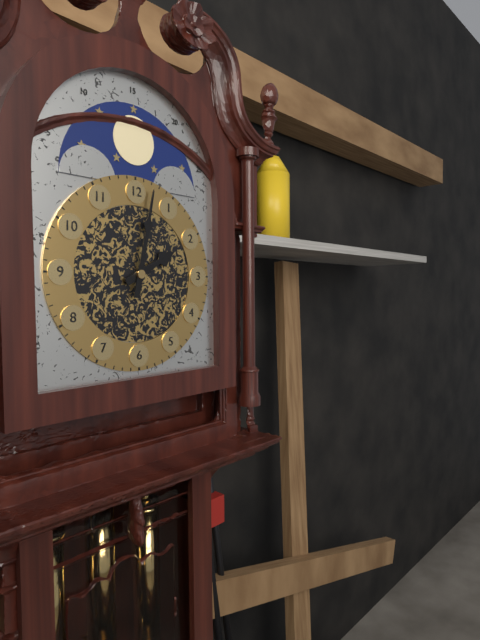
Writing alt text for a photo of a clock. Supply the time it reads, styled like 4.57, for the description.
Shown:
2.02
